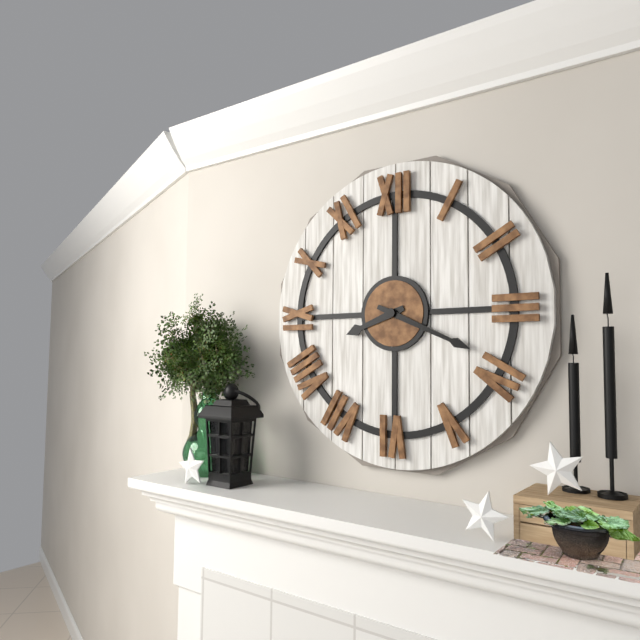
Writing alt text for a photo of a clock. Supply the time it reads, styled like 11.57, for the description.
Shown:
8.19
